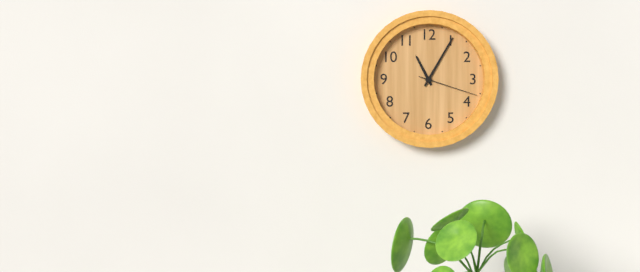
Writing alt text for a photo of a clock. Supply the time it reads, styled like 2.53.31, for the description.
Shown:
11.05.18
